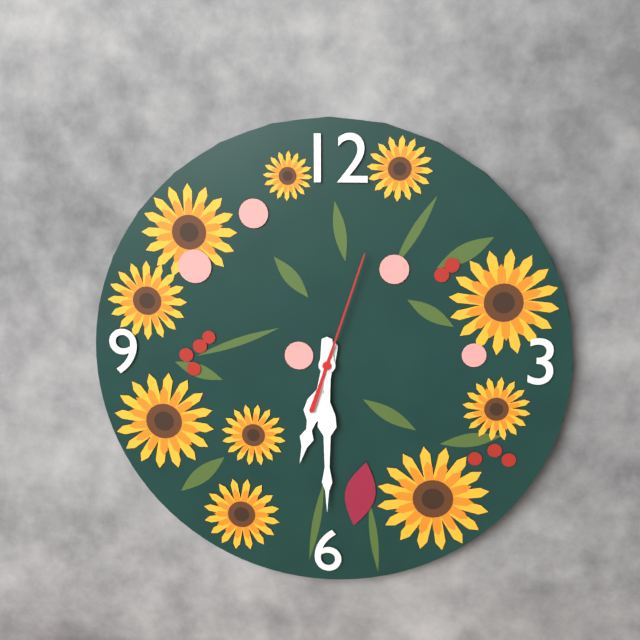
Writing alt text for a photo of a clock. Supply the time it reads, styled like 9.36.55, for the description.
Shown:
6.30.03
